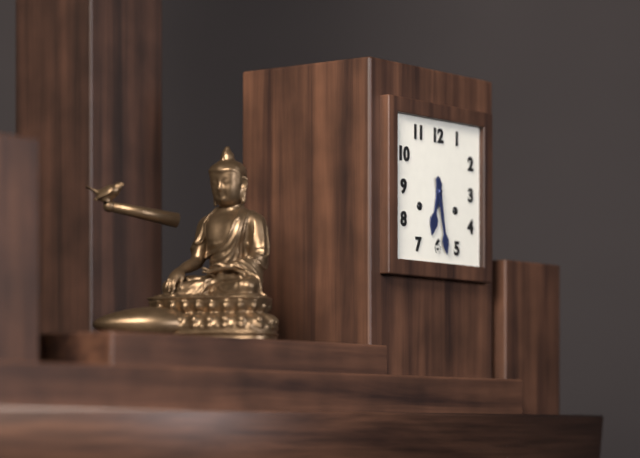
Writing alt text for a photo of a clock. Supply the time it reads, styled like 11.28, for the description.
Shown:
6.28
